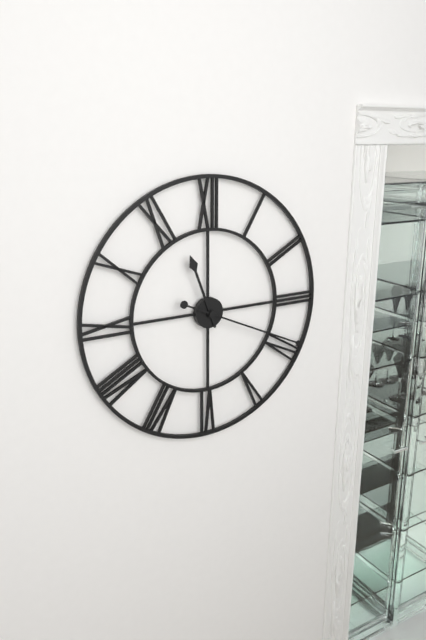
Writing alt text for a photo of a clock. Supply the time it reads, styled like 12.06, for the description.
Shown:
11.19
